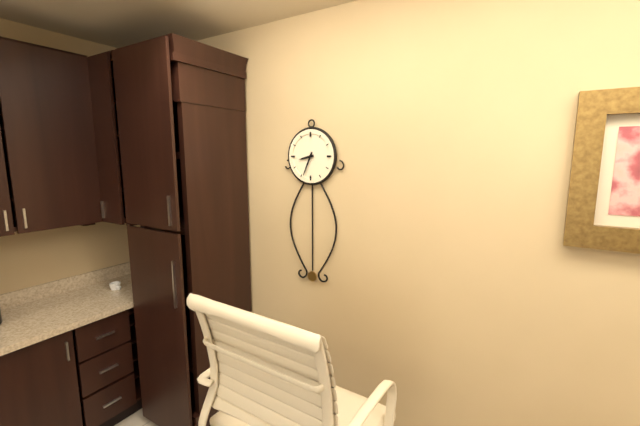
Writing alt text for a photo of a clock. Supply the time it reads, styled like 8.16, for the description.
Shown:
8.34
